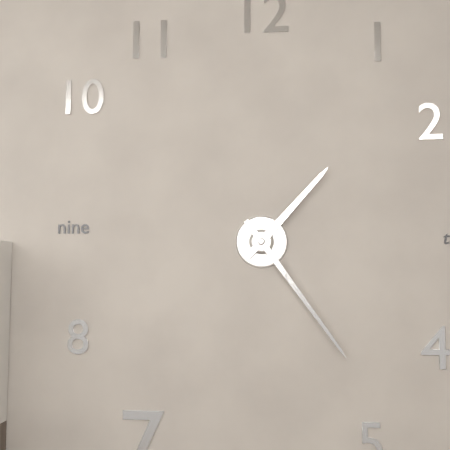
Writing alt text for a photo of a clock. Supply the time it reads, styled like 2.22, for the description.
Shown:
1.24
